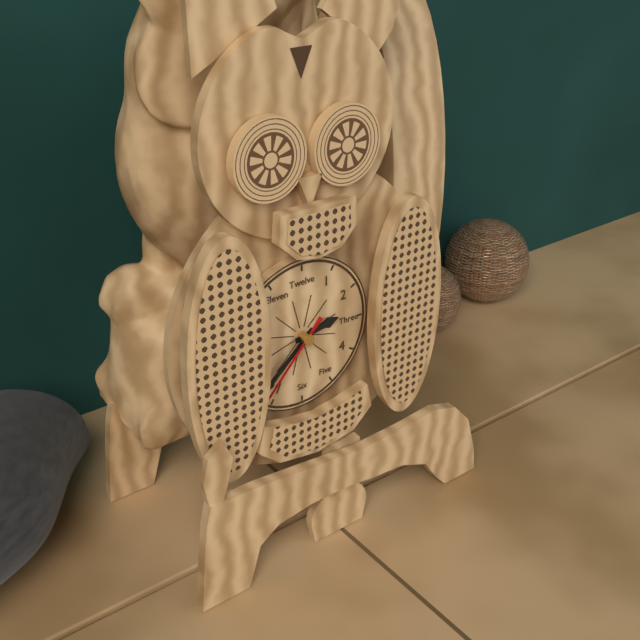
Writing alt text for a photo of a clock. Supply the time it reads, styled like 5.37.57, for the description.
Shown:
2.38.37
